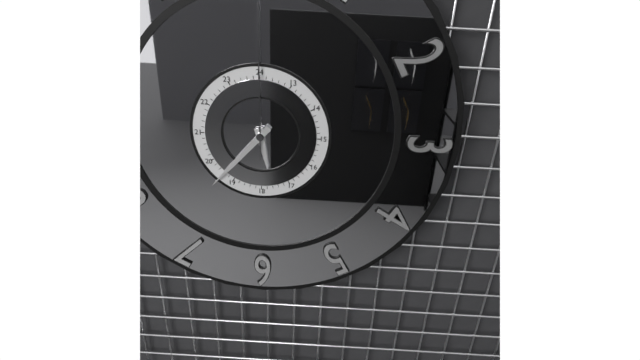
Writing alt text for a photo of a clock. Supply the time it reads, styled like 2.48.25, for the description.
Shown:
5.37.00
